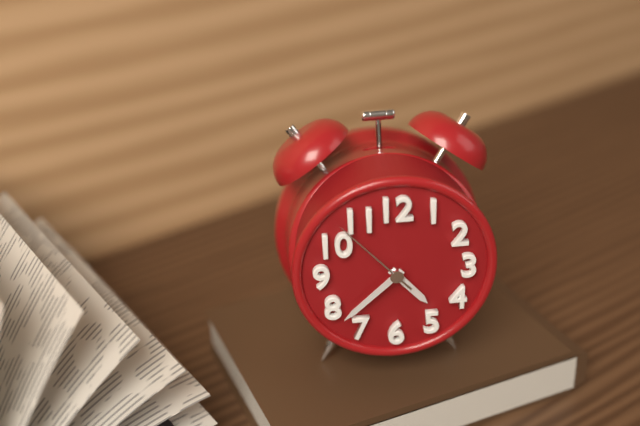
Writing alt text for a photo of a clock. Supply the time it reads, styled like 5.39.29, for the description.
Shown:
4.38.53
